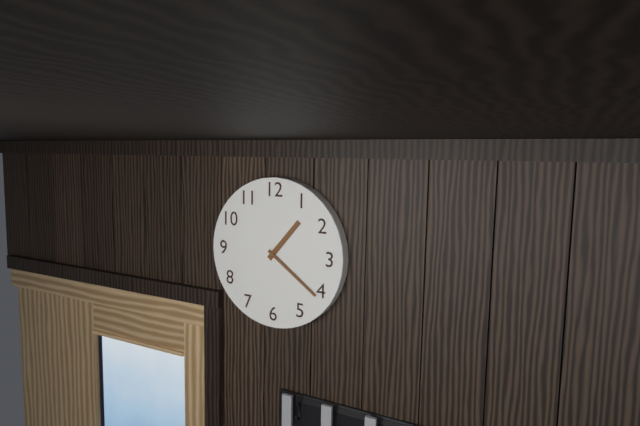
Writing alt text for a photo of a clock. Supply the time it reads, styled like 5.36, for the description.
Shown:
1.21
